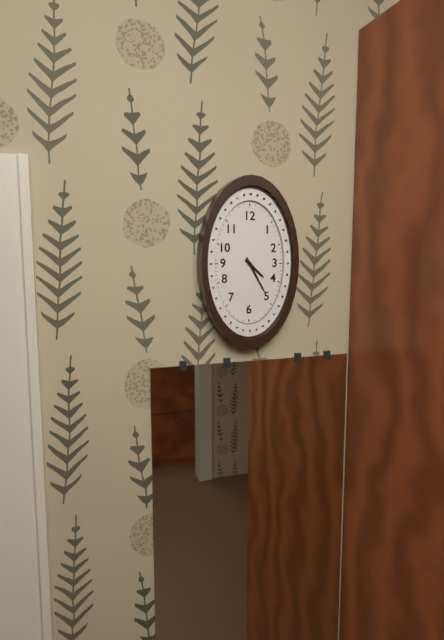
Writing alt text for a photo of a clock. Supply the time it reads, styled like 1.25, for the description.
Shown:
4.25
